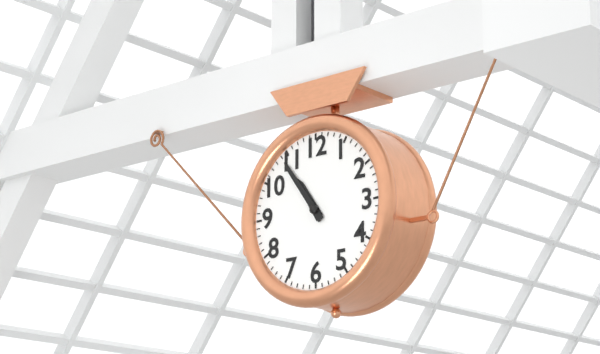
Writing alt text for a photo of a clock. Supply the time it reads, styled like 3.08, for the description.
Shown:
10.54
